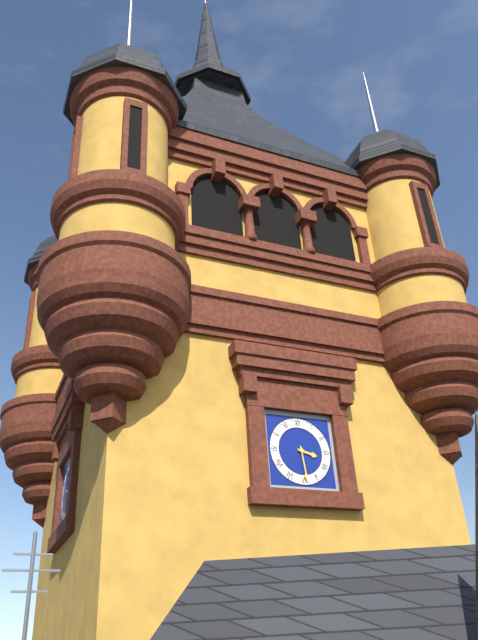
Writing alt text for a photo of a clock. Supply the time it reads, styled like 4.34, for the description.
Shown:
3.29
